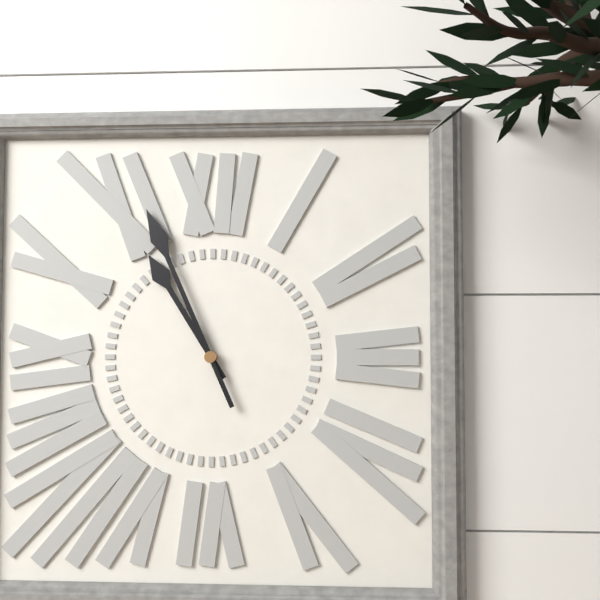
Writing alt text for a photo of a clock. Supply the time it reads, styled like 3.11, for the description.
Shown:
10.56
